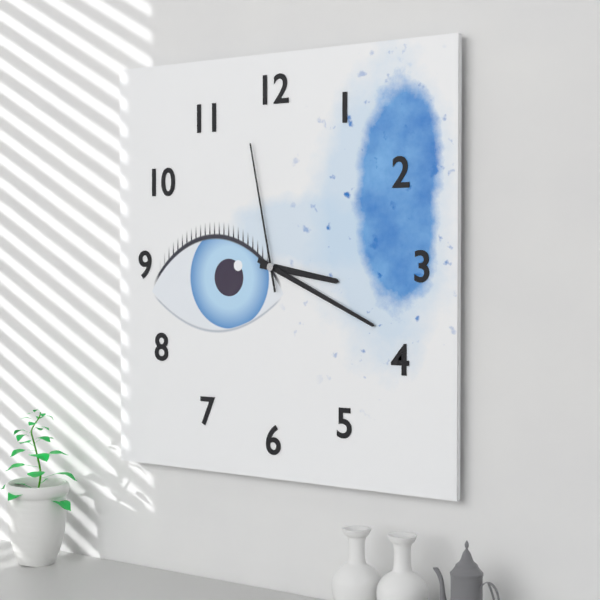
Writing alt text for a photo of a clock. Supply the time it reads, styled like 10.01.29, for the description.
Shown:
3.19.58
